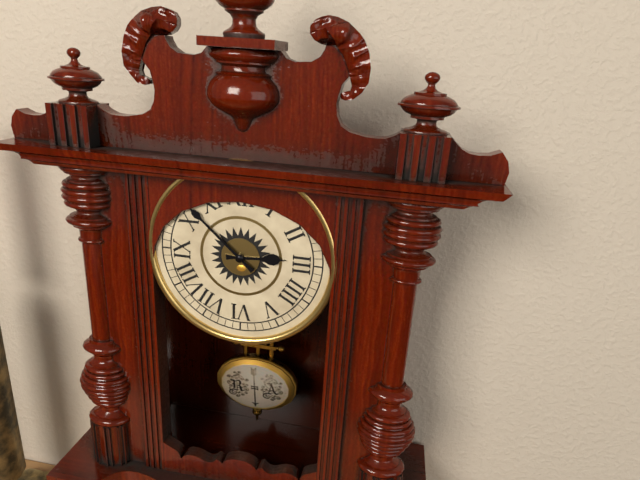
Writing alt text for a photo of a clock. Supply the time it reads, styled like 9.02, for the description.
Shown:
2.52
